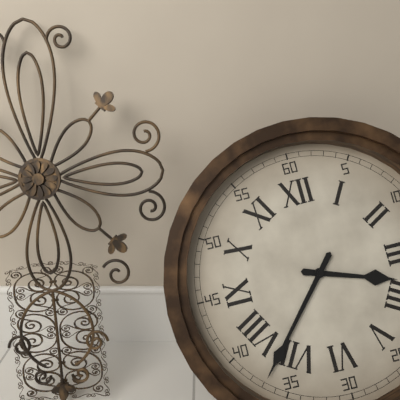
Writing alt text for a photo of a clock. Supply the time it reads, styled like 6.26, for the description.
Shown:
3.37
